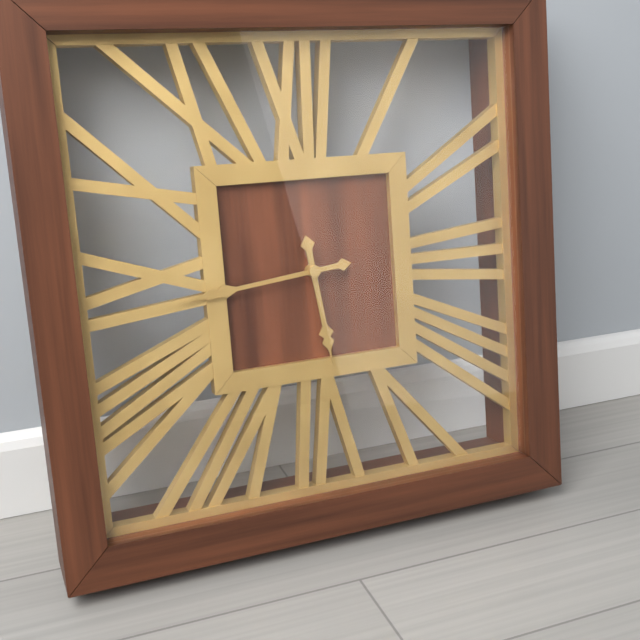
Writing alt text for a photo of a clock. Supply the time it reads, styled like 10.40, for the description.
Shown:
5.44
